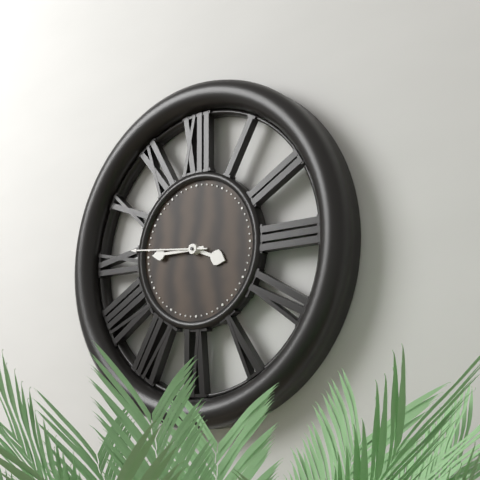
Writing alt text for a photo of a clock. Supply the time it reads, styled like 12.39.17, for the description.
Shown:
3.45.46
